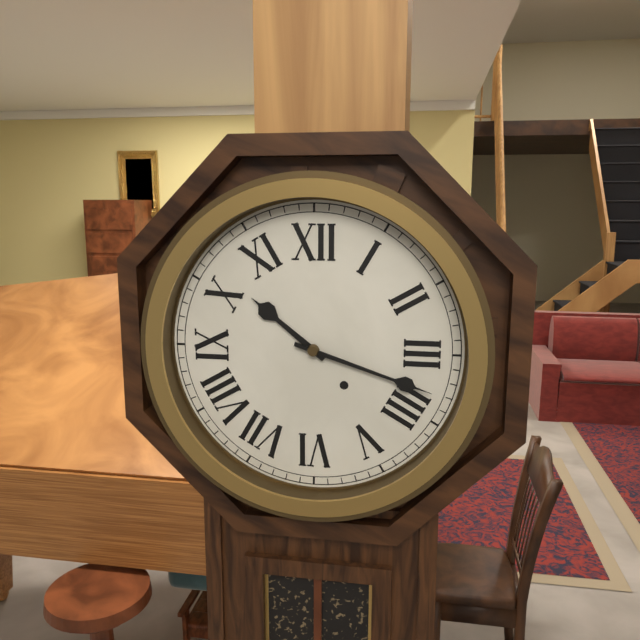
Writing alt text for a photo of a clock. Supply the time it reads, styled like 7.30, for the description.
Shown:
10.18
